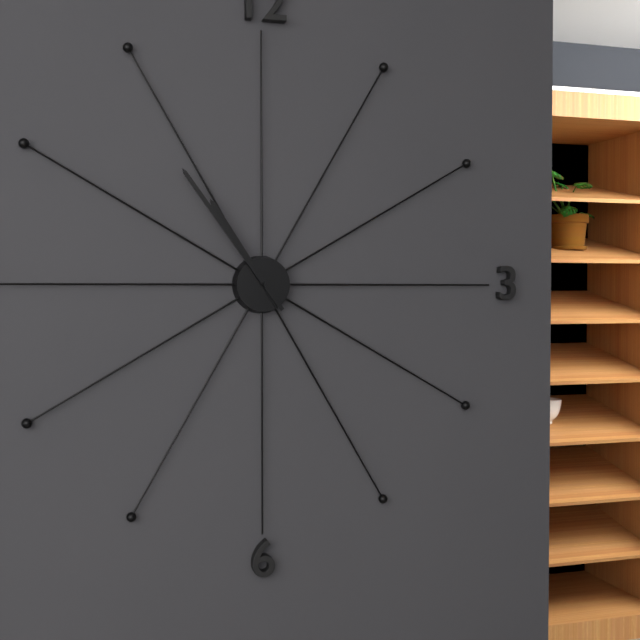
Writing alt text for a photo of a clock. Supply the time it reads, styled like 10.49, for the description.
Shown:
10.54
